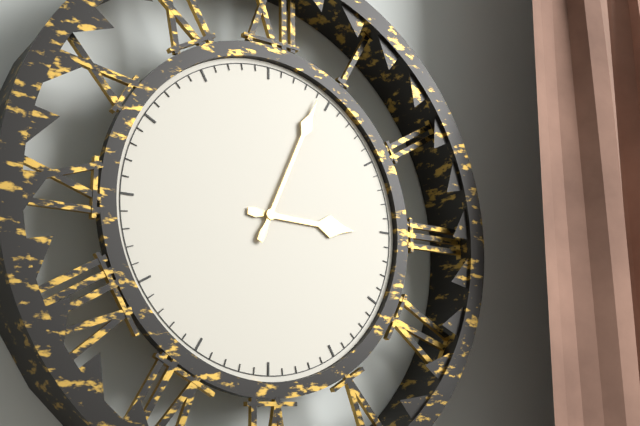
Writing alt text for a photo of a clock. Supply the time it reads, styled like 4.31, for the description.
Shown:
3.04
